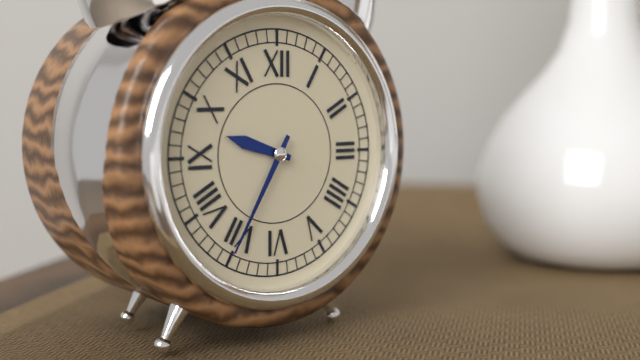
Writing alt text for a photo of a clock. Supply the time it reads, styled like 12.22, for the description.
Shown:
9.35
